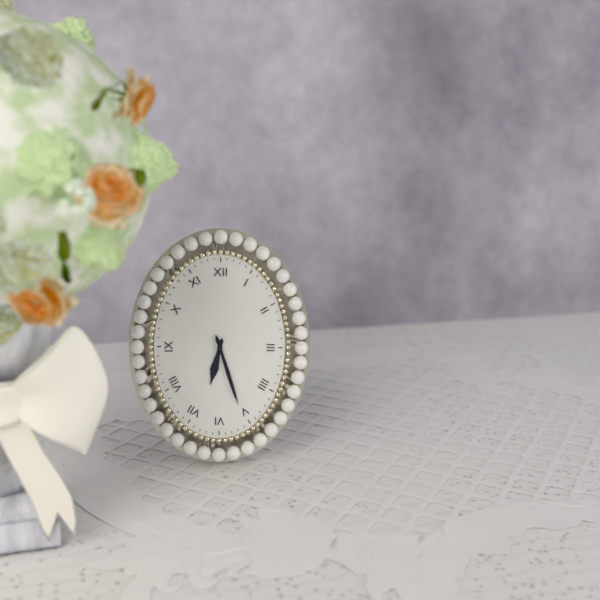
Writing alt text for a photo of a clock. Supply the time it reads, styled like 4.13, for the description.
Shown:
6.27
